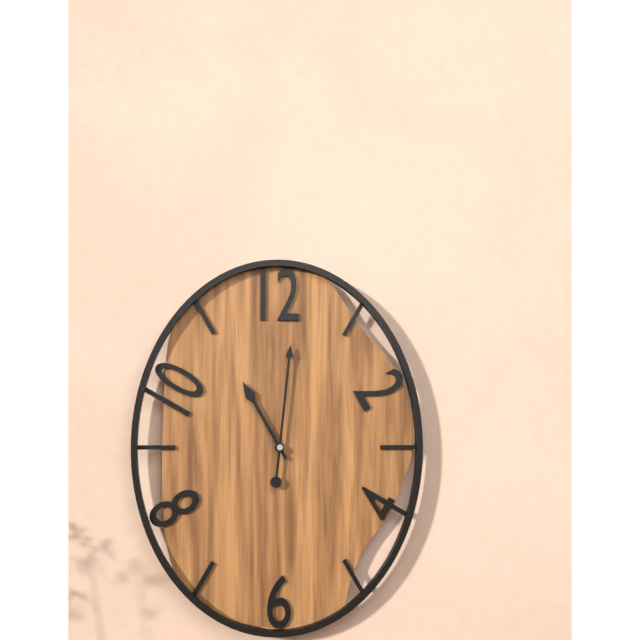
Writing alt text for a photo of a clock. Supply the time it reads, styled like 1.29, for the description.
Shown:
11.01
